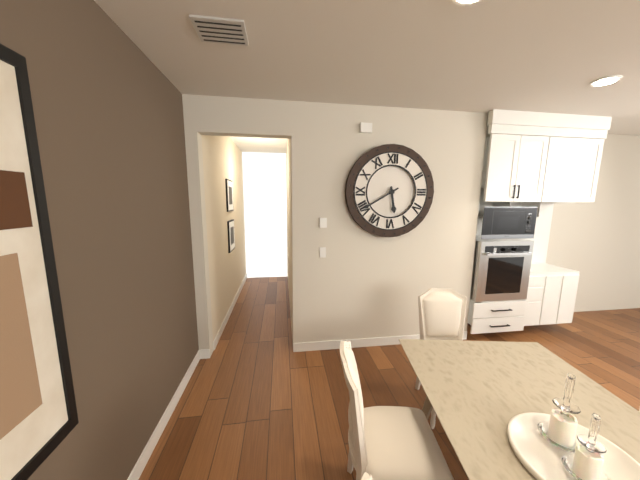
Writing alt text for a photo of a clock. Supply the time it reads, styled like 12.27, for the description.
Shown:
5.40
